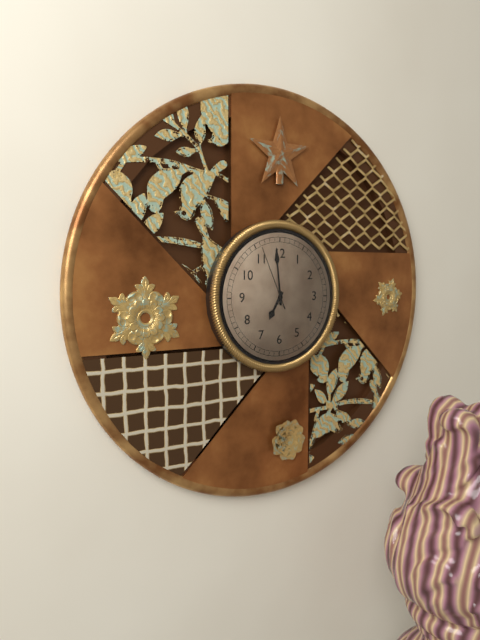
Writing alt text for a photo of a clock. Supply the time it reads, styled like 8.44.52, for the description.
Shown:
6.59.56
